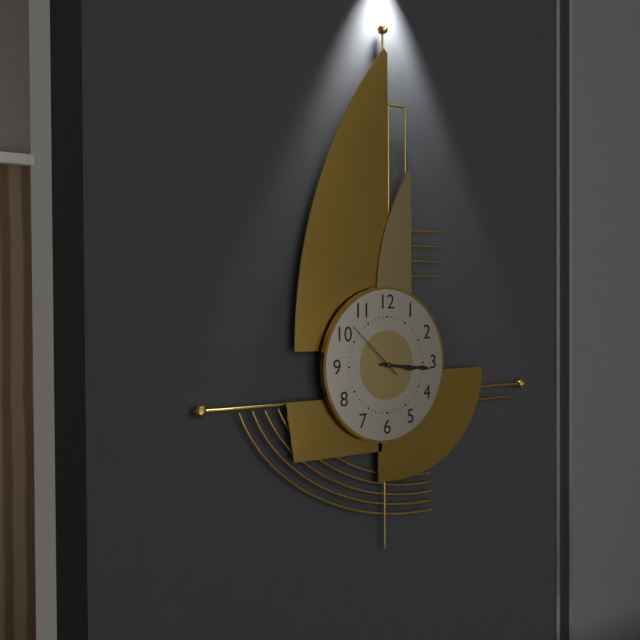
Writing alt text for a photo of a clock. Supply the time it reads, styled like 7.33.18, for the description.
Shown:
3.16.52
